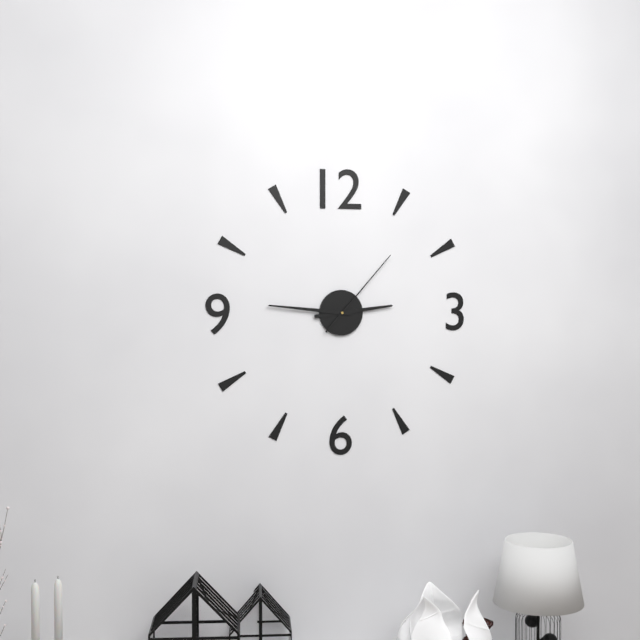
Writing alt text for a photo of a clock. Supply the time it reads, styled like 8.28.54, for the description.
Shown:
2.46.07
